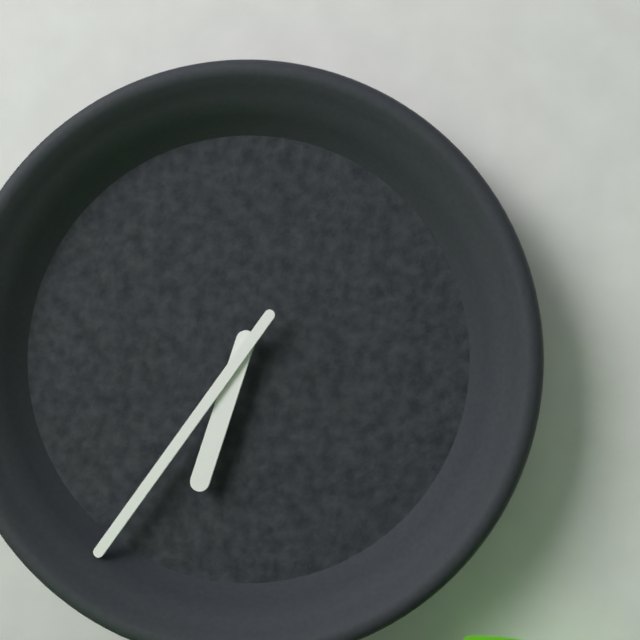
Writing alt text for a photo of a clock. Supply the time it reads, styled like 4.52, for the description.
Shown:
6.36
